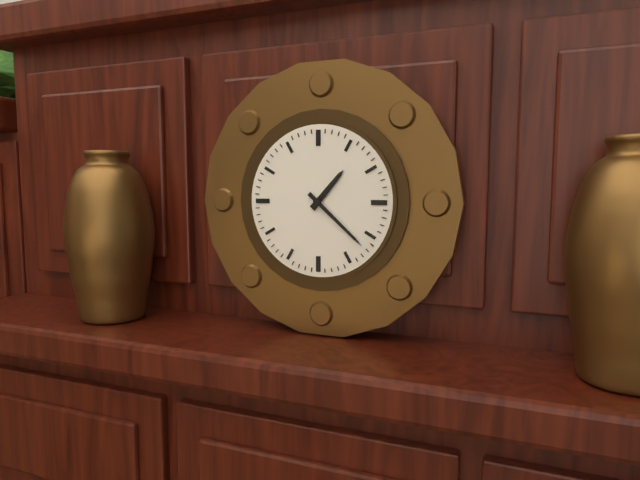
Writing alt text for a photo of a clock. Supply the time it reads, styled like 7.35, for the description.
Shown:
1.22
